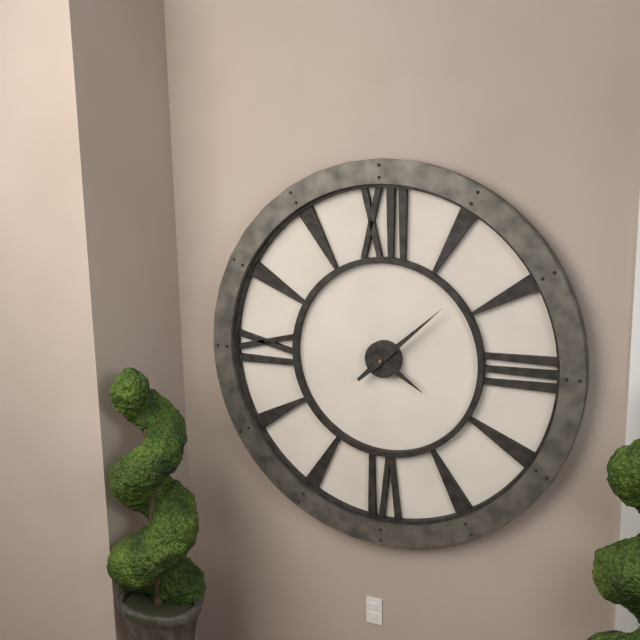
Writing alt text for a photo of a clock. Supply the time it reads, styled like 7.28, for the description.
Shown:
4.08
